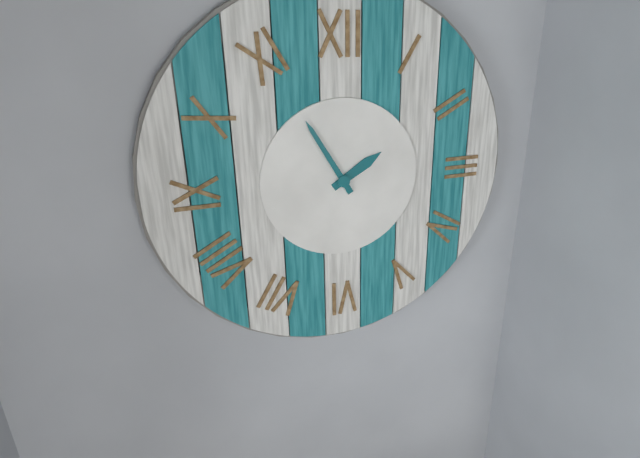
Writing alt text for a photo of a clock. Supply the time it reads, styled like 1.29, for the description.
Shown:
1.55
